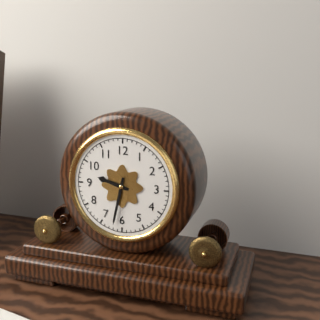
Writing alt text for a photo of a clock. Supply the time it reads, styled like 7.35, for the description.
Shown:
9.32
